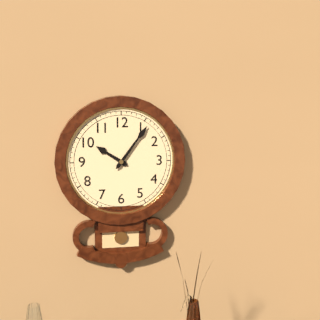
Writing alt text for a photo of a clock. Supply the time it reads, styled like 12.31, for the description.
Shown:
10.06
